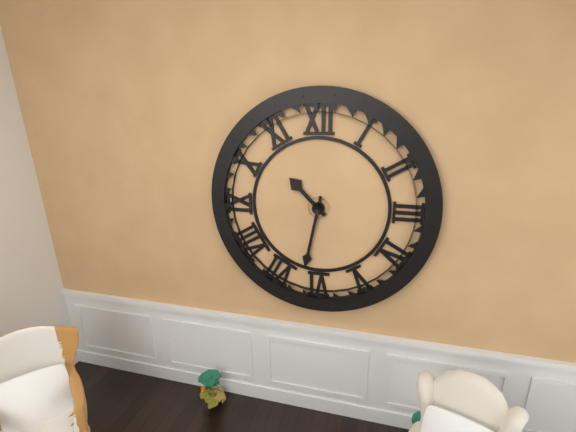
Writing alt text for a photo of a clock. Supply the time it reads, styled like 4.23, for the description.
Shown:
10.32
